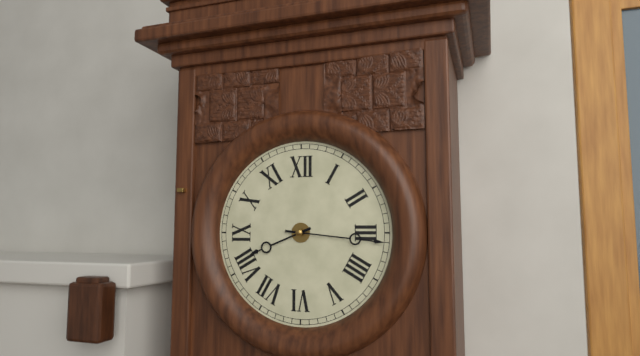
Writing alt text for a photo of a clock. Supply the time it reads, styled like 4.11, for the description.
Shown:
8.16
